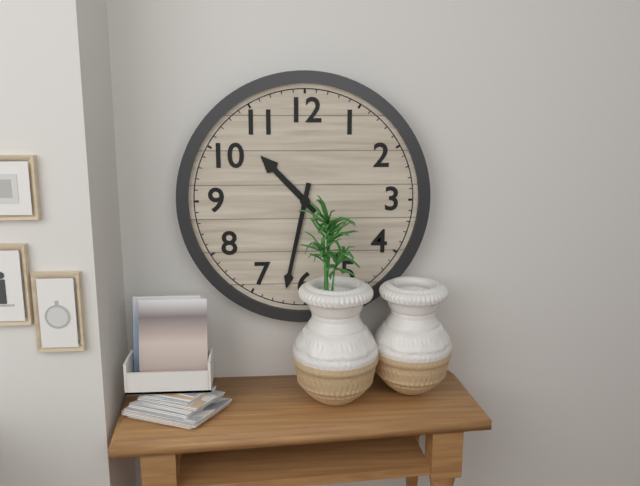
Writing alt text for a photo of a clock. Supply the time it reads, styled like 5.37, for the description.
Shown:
10.32
